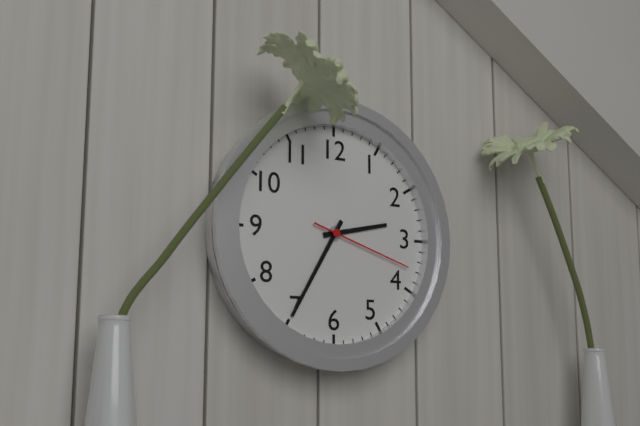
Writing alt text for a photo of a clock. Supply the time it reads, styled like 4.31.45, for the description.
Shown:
2.35.18
